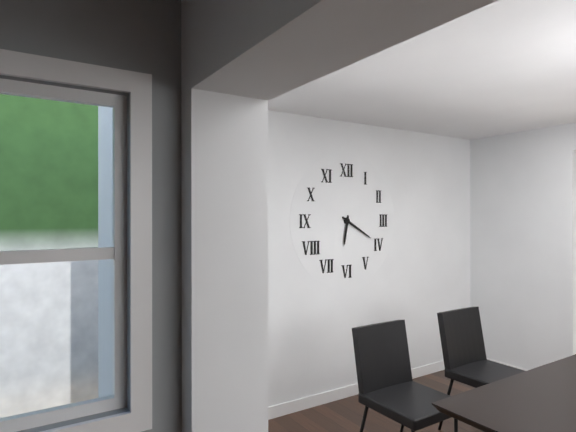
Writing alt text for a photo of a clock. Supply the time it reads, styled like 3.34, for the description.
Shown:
6.20
